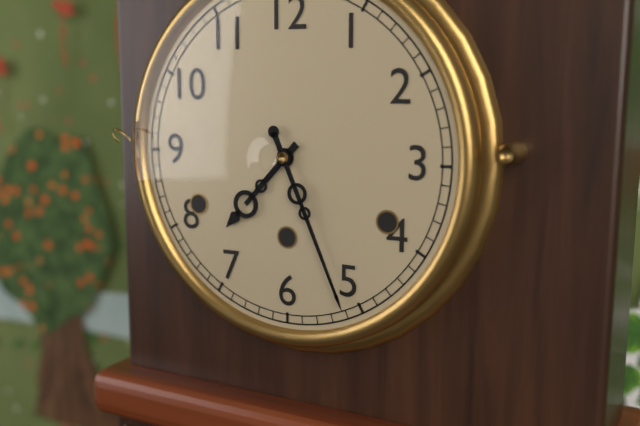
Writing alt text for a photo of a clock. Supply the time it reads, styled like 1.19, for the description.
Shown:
7.26
